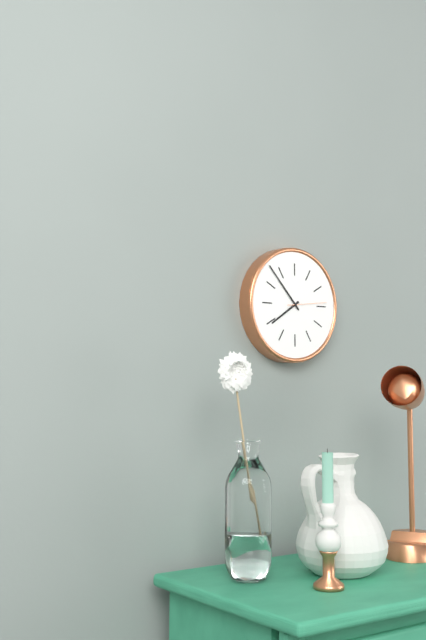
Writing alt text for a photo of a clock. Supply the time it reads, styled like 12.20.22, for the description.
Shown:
7.53.14
